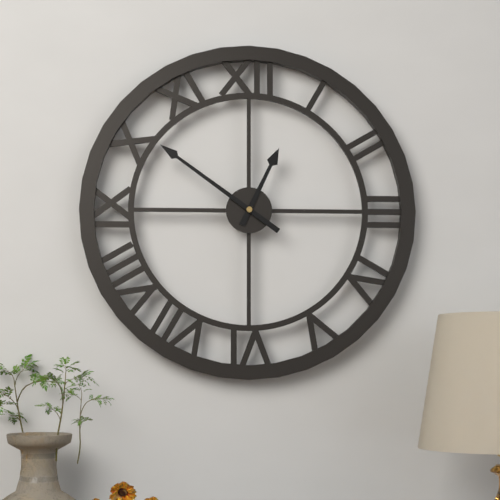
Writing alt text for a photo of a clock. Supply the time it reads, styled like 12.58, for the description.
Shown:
12.51
